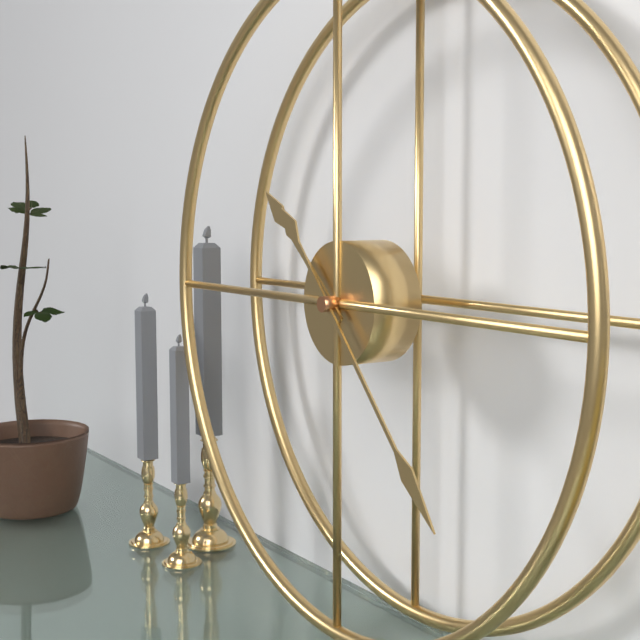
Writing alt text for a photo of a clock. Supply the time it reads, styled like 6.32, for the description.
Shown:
10.23
